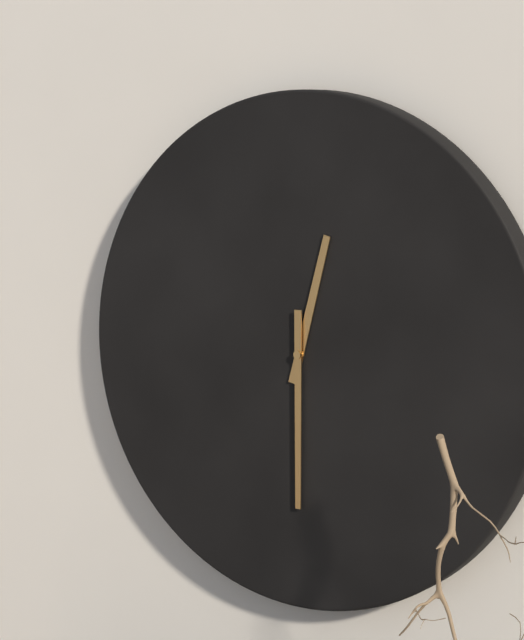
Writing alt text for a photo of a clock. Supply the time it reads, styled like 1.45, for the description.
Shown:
12.30
